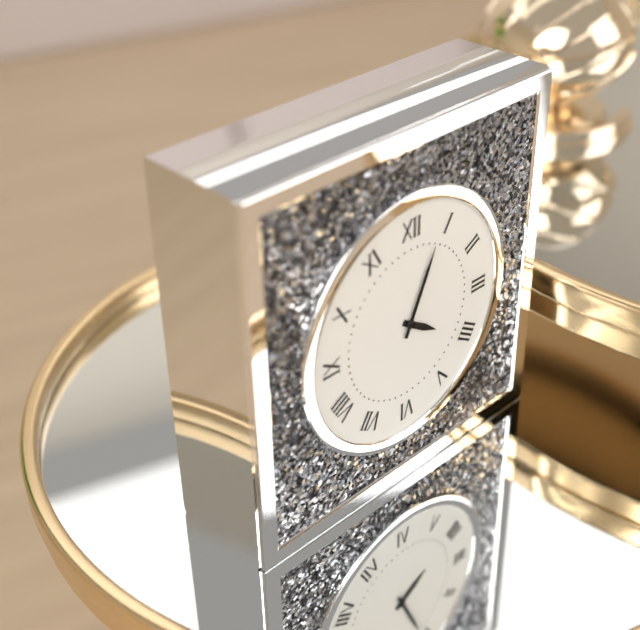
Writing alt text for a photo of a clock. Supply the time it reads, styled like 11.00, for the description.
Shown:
4.04
